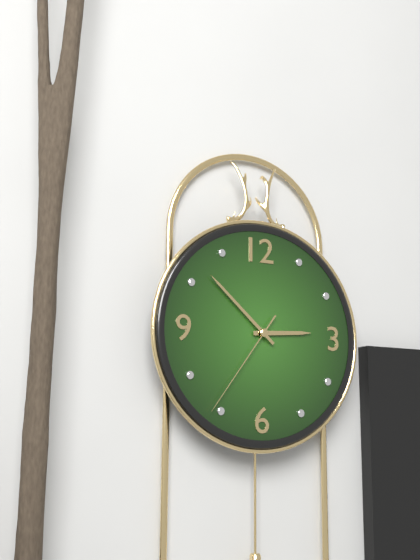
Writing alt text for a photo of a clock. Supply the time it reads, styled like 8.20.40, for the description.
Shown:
2.52.36
